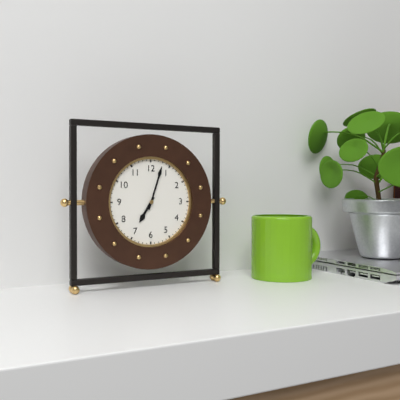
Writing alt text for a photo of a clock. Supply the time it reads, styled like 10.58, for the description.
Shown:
7.03
